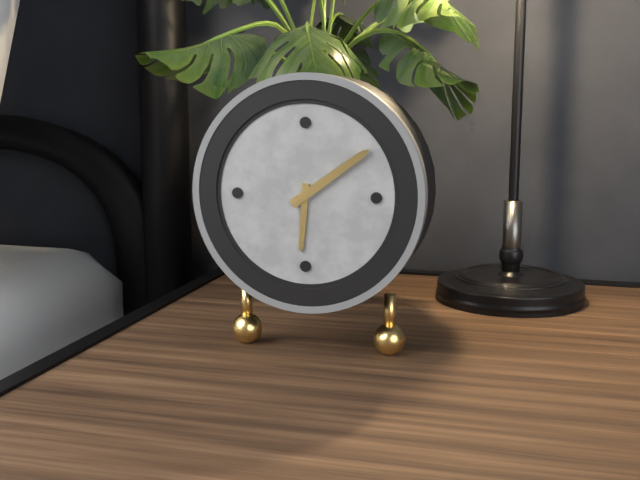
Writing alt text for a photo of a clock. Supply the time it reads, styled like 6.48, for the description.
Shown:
6.09
